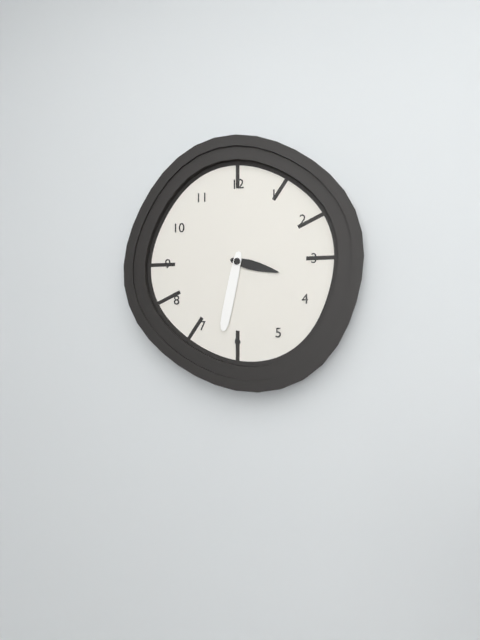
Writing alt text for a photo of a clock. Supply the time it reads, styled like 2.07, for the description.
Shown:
3.32
